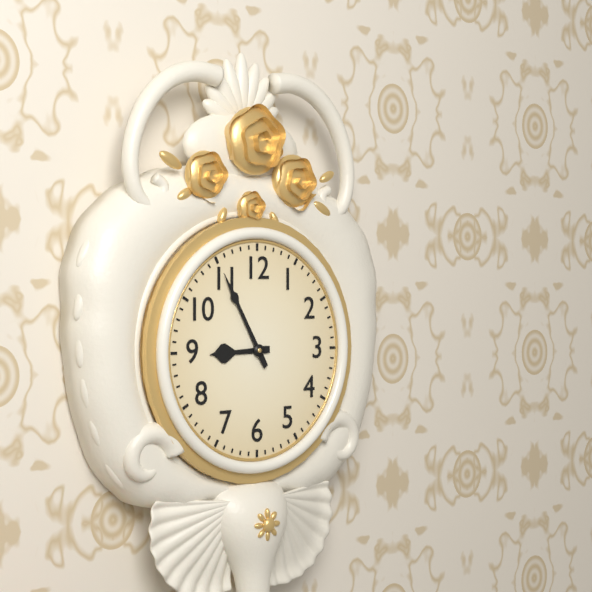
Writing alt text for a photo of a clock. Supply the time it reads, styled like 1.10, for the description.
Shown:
8.55
